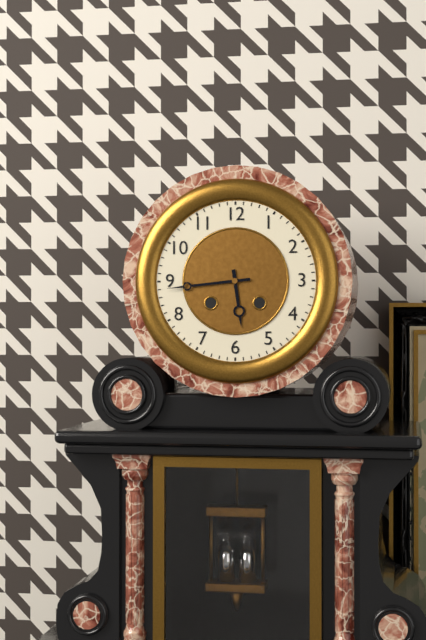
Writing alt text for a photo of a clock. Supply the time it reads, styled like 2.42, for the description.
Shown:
5.44
